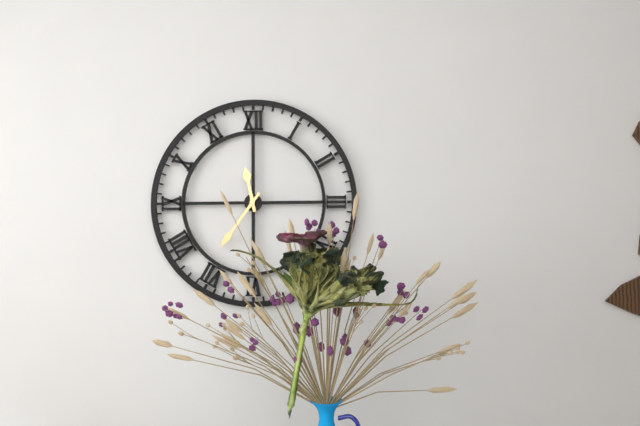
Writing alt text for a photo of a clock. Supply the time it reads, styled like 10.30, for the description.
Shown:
11.36
